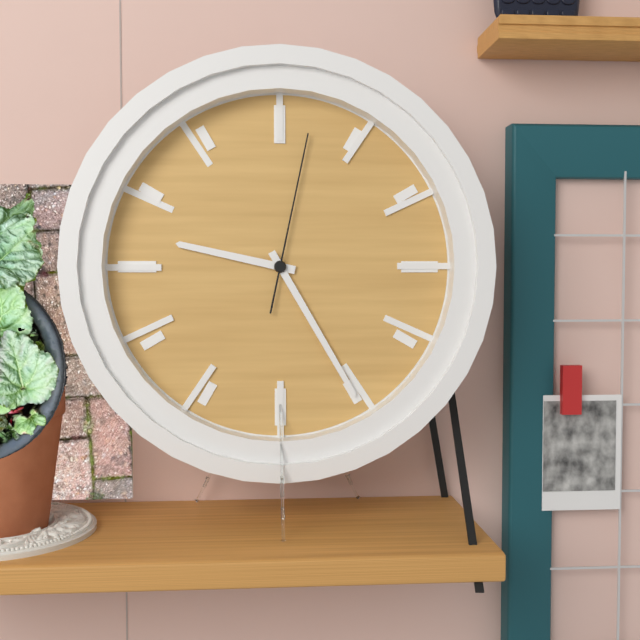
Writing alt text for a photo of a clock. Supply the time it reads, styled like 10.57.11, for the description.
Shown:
9.25.02
